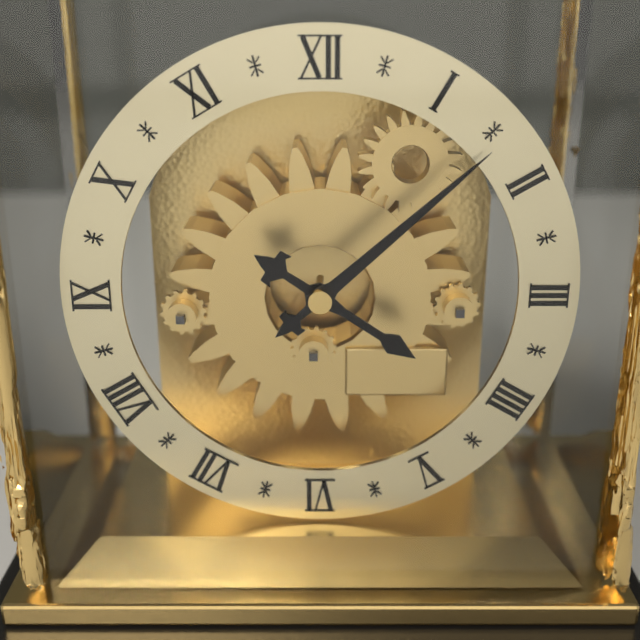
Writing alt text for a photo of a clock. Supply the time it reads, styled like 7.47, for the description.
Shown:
4.08
